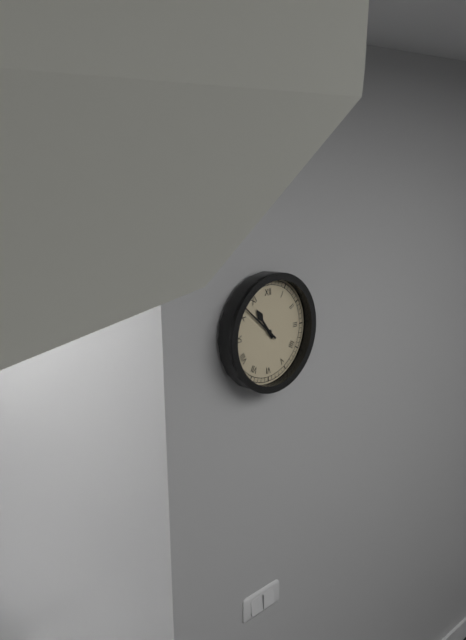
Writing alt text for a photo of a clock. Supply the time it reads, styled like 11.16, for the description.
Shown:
10.52
